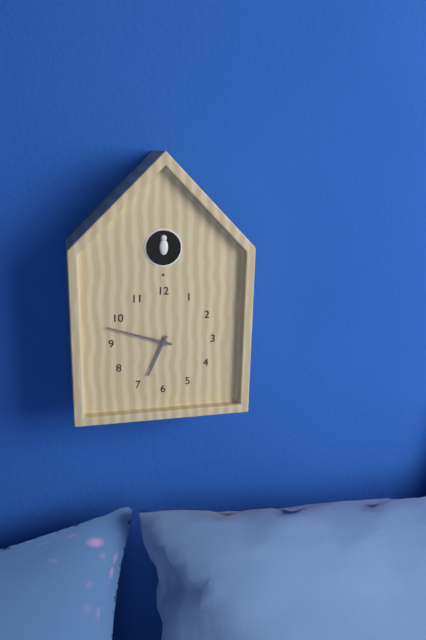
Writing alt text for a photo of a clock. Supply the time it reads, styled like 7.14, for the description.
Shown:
6.48
